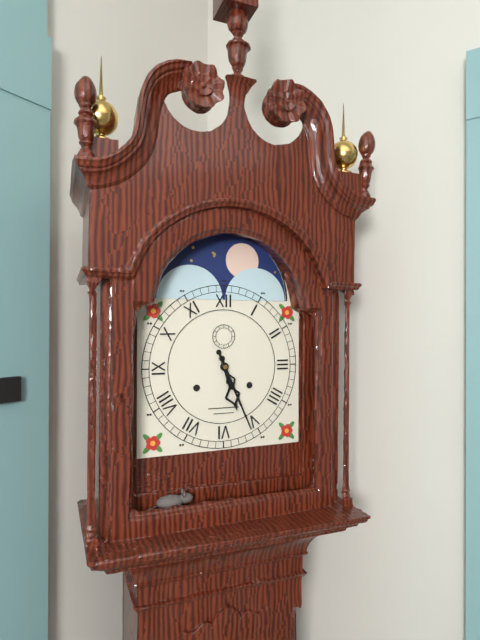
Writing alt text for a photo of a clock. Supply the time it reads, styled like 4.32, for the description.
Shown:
5.26
